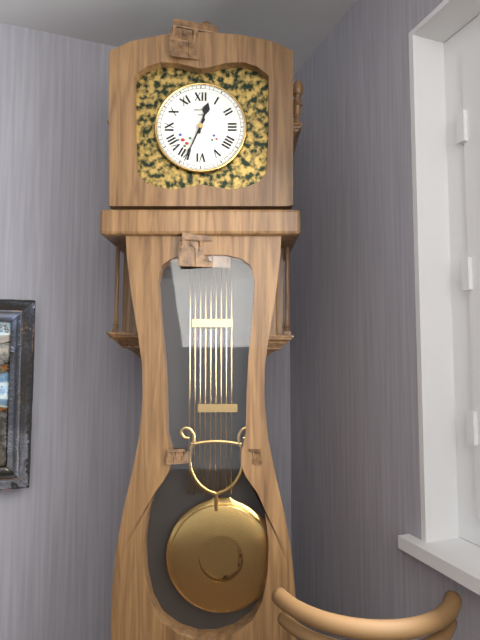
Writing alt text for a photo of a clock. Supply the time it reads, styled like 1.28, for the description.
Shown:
12.34
